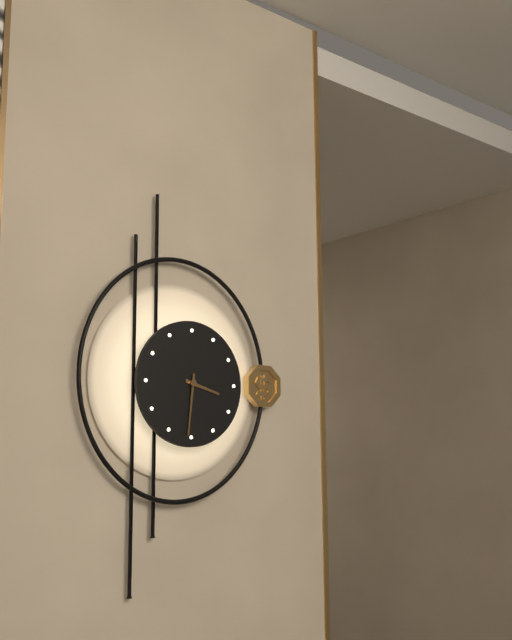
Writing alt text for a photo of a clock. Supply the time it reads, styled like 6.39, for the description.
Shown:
3.31
